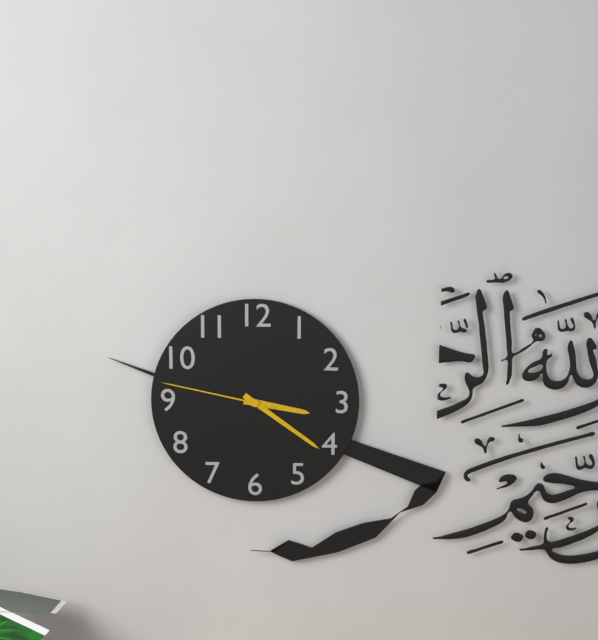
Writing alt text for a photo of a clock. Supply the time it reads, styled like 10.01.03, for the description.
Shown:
3.21.47
